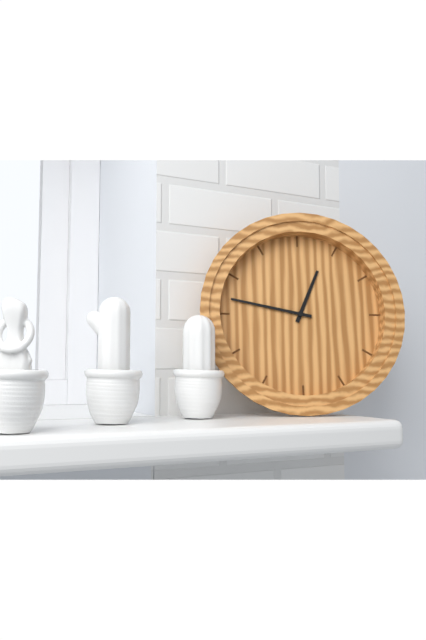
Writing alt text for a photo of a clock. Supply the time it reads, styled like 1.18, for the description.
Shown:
12.47
